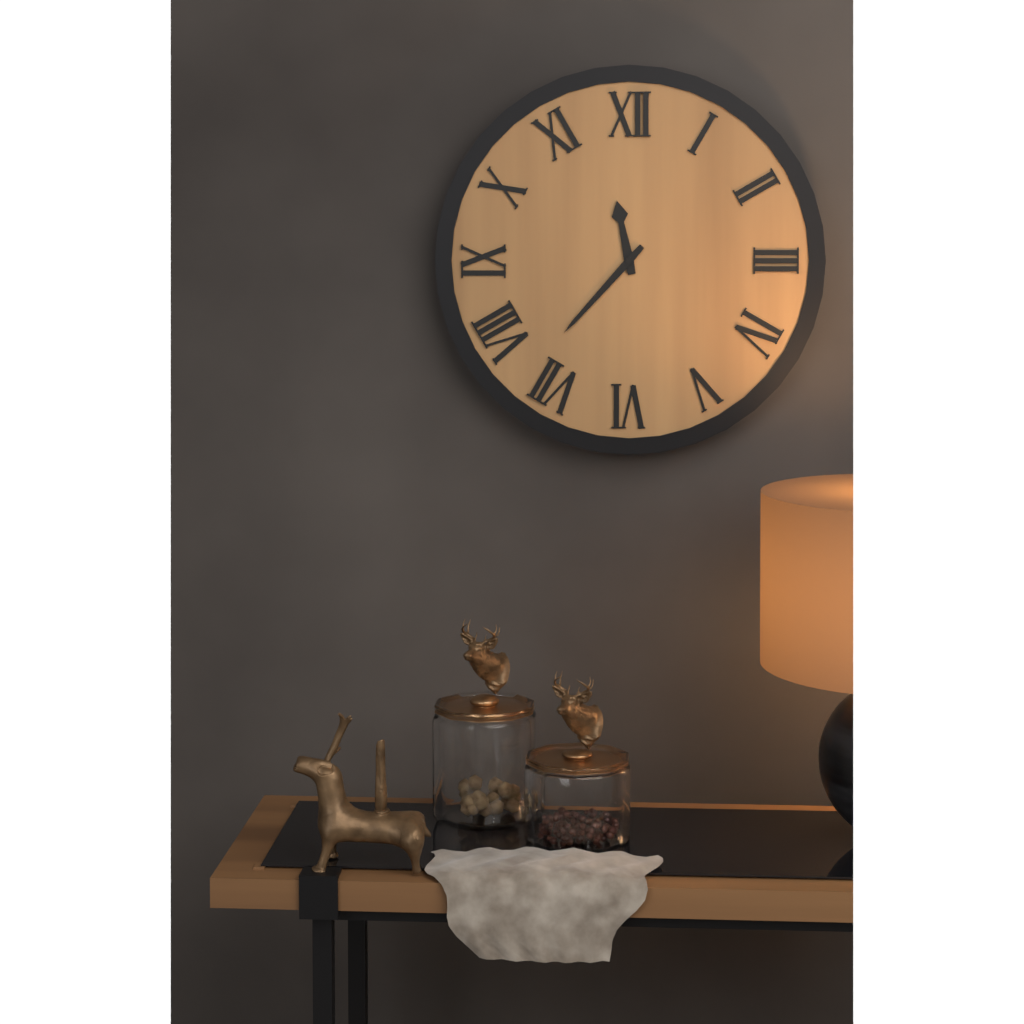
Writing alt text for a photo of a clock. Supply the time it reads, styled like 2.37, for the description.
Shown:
11.37
